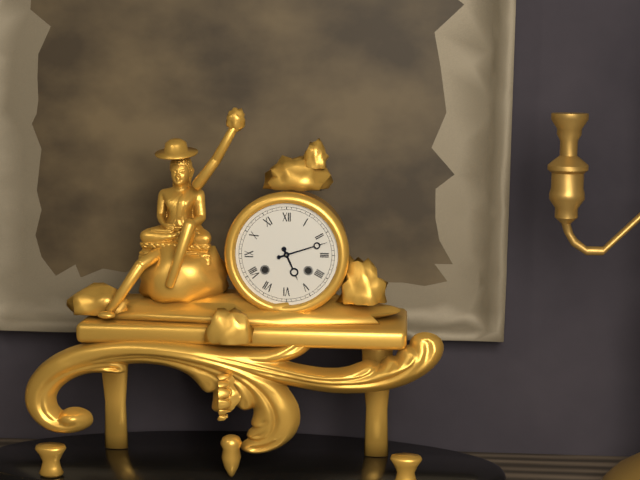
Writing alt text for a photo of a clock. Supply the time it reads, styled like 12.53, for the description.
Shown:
5.12
